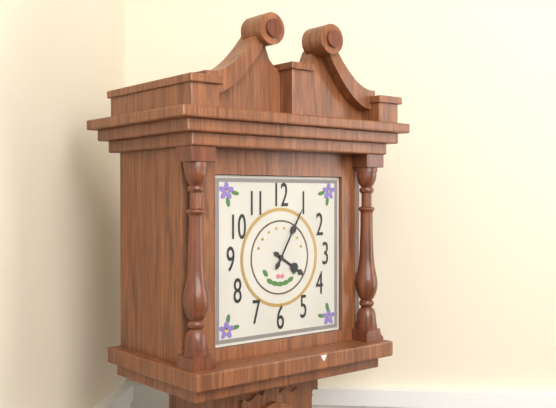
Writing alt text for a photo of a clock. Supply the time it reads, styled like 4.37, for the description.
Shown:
4.05
